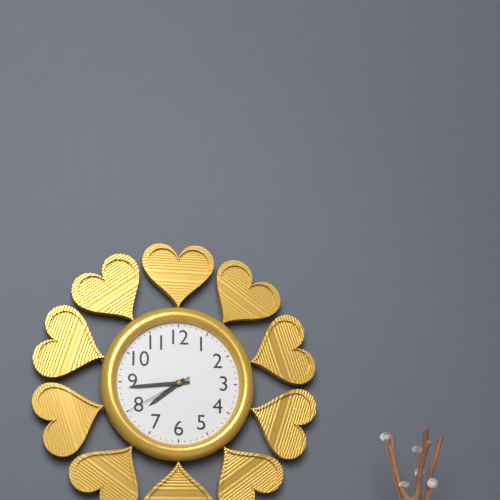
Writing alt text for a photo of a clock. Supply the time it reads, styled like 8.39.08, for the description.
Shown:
7.44.40
